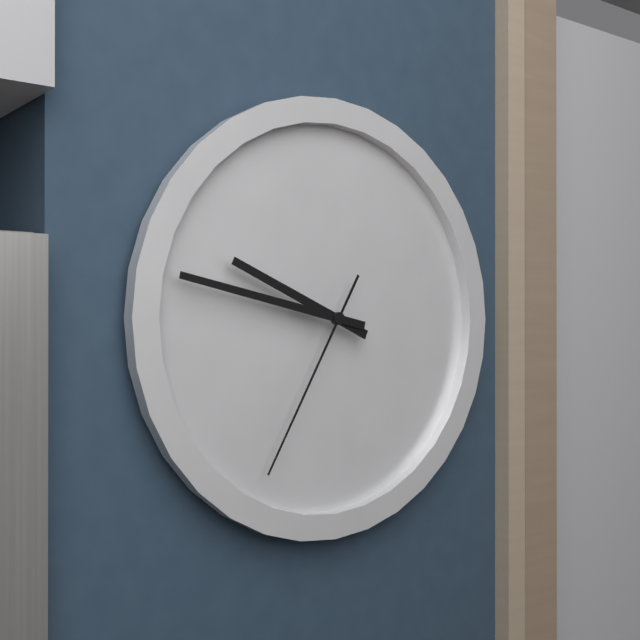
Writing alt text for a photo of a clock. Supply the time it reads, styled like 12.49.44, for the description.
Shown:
9.47.35
